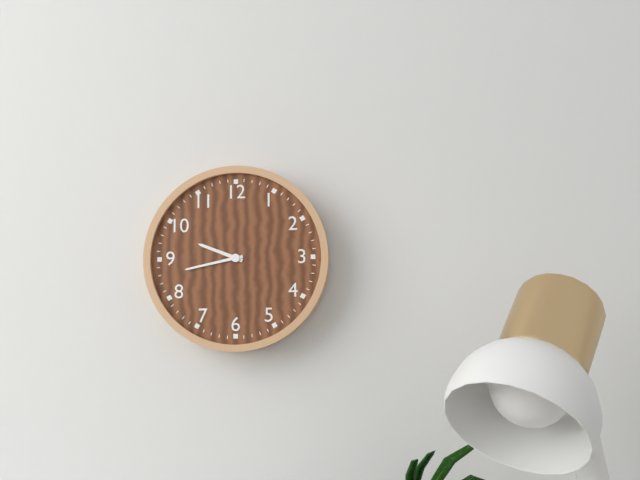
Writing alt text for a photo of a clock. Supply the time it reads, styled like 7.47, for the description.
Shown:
9.43
